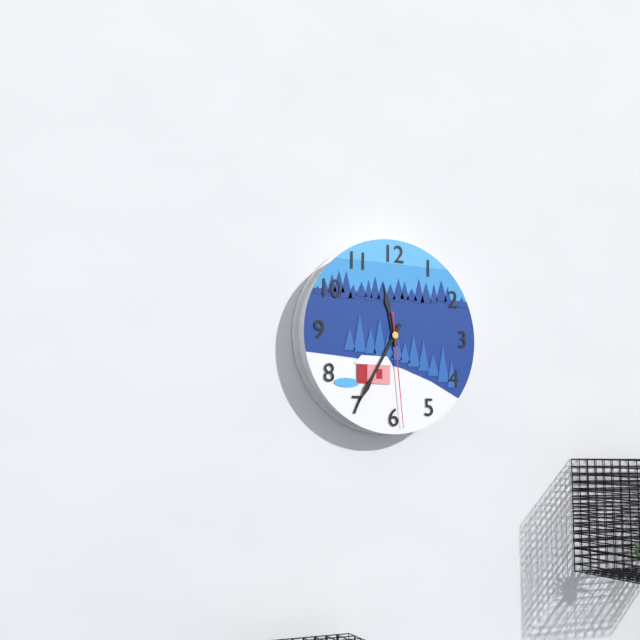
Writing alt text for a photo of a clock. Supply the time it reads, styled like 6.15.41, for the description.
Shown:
11.35.29
